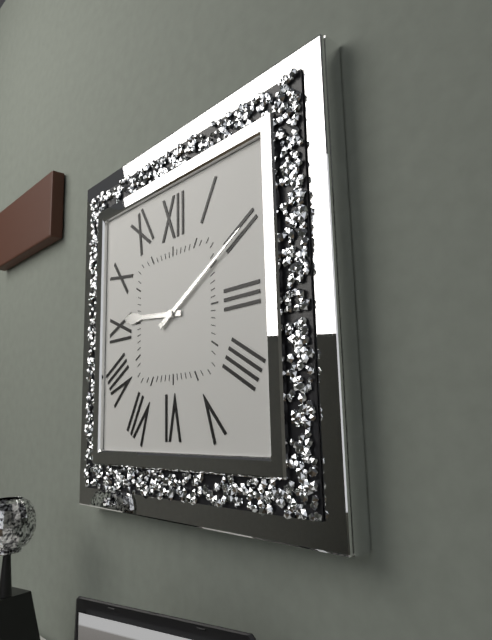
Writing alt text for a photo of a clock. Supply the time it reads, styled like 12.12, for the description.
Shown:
9.10
